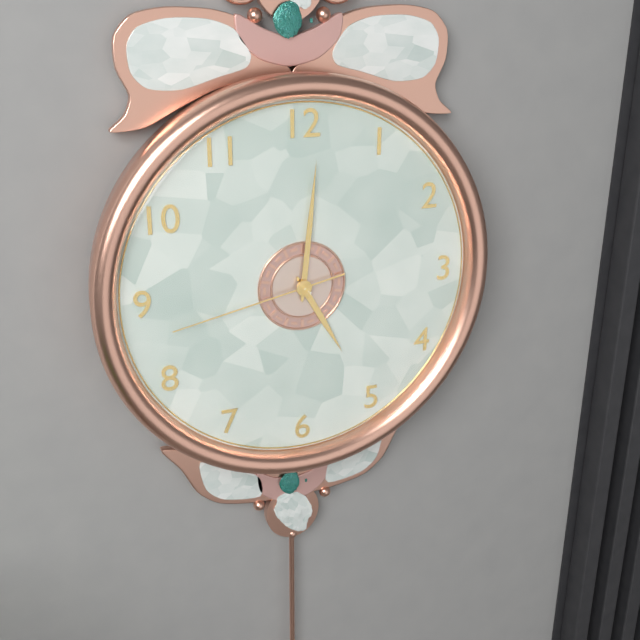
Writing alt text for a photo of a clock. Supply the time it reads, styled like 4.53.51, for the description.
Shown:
5.01.43
